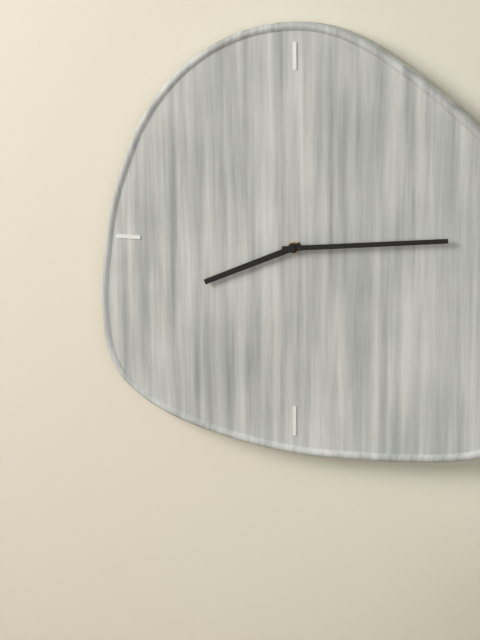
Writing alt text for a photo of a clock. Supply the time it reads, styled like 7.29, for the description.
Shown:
8.14
